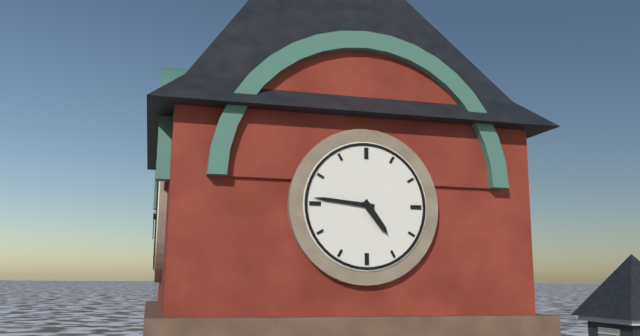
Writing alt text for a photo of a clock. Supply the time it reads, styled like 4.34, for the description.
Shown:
4.46
